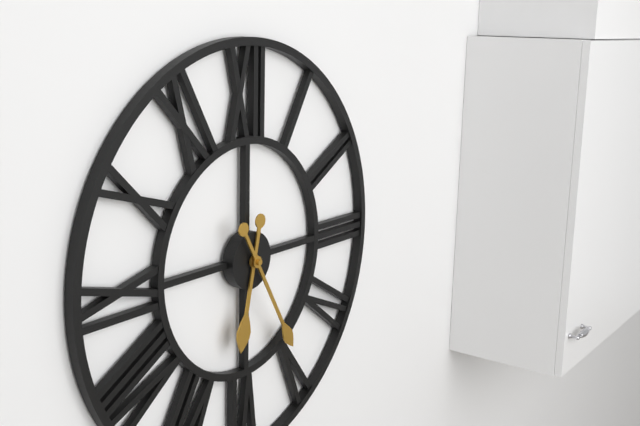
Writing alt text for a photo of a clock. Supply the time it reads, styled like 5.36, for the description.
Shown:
6.25
